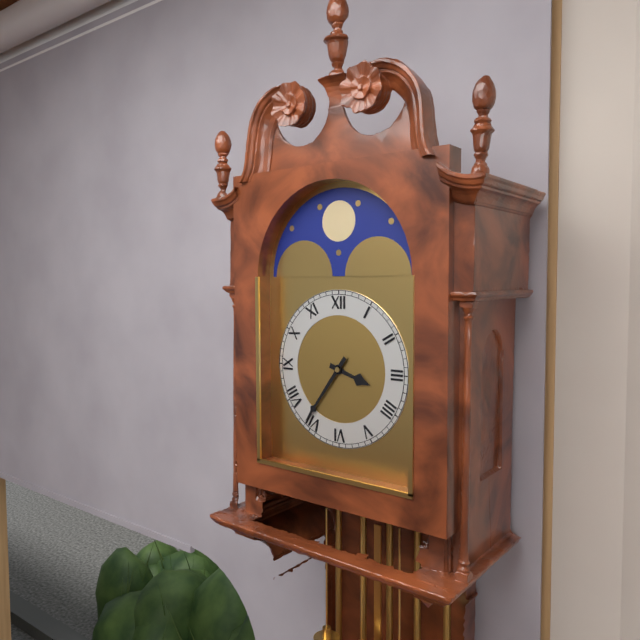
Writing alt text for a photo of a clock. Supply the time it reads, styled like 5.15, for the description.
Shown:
3.36
